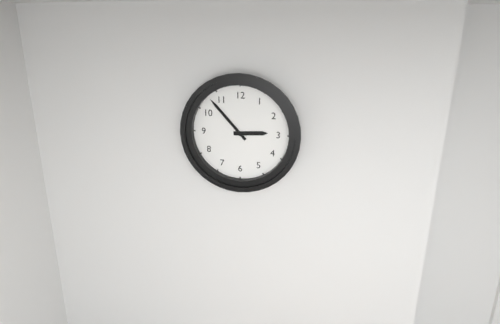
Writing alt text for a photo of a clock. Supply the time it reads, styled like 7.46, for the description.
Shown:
2.53
